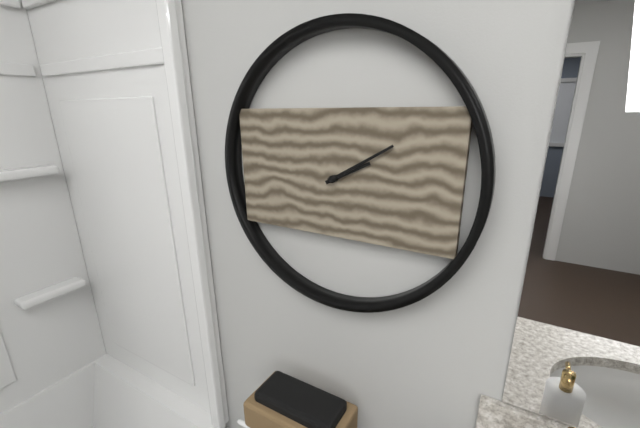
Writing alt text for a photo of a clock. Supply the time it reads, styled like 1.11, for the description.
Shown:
2.10
